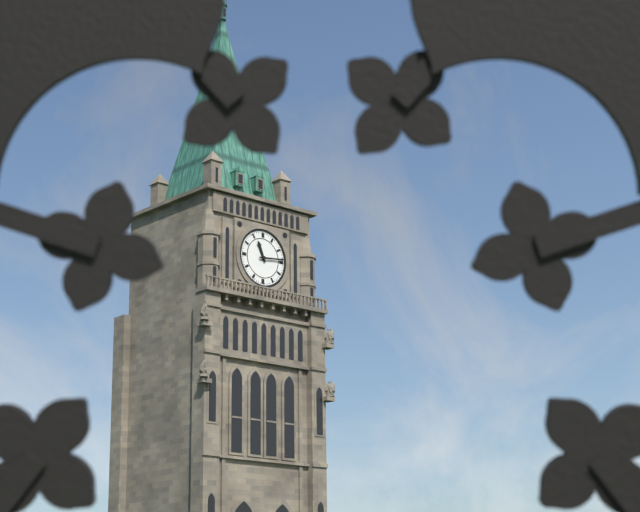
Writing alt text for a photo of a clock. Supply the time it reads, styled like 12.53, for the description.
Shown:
11.14
